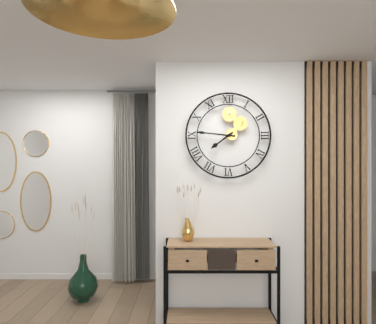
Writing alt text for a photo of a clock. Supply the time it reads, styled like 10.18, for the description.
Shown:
7.46
